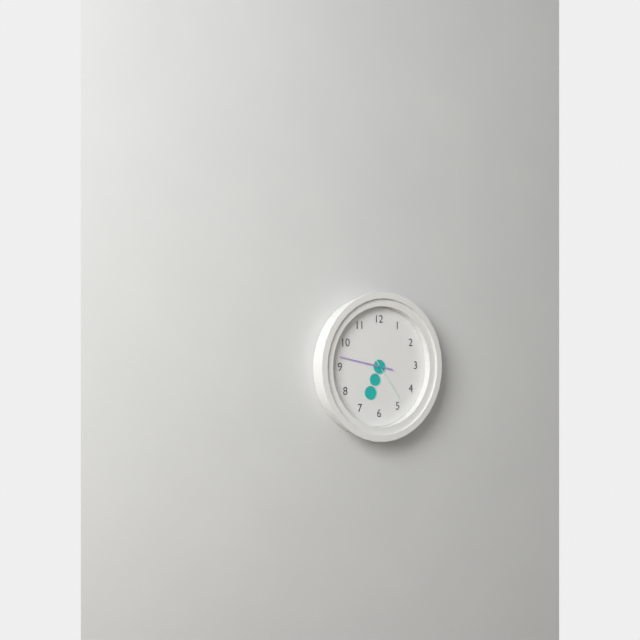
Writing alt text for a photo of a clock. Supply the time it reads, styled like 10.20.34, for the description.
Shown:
6.47.24
